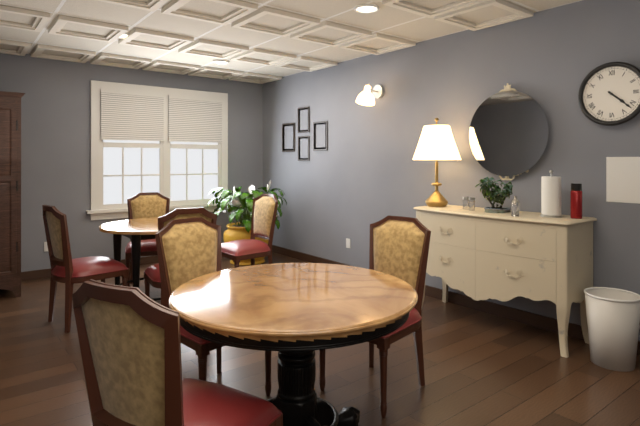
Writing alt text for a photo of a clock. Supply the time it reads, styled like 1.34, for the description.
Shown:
4.22
